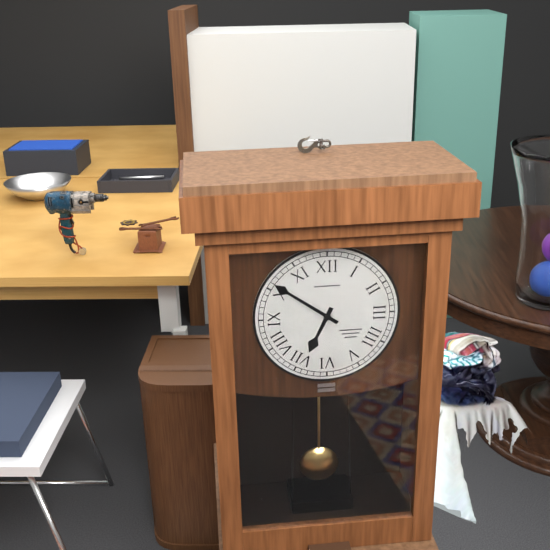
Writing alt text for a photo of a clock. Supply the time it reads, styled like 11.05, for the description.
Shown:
6.51
